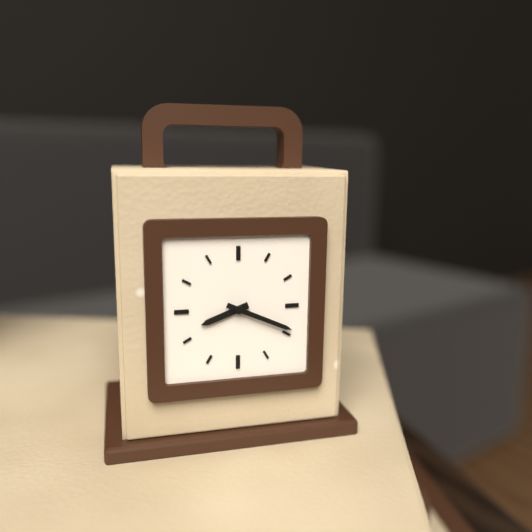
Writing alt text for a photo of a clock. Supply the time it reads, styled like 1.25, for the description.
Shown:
8.19
